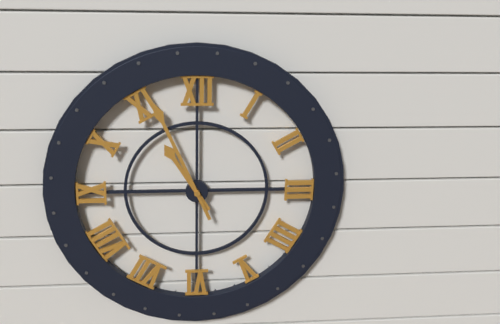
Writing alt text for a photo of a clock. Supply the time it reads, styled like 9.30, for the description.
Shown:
10.56
